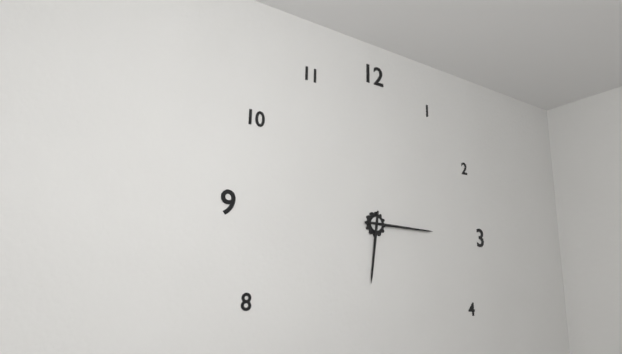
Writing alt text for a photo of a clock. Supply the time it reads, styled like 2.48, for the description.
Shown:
6.15
